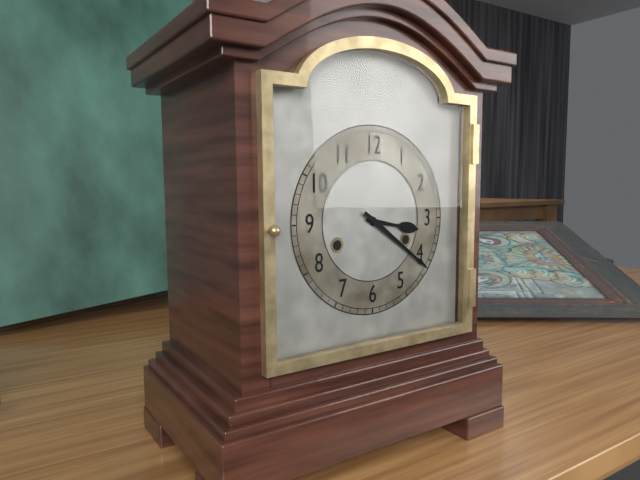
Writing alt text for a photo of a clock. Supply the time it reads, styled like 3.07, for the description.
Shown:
3.21
